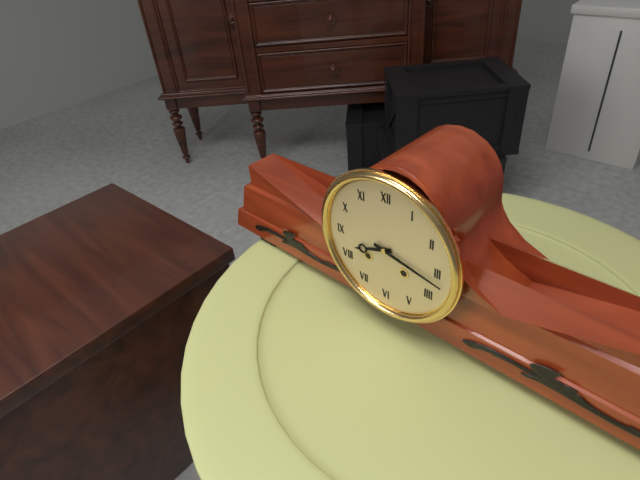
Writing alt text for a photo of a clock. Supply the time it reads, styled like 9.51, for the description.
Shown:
8.17
